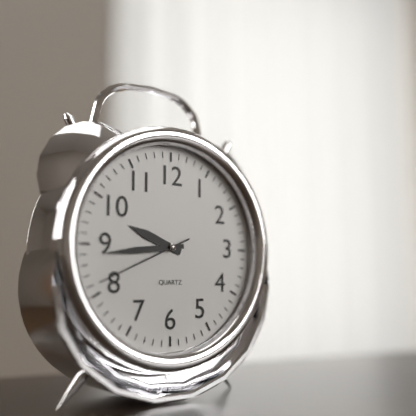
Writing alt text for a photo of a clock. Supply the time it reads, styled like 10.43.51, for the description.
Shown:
9.44.41
